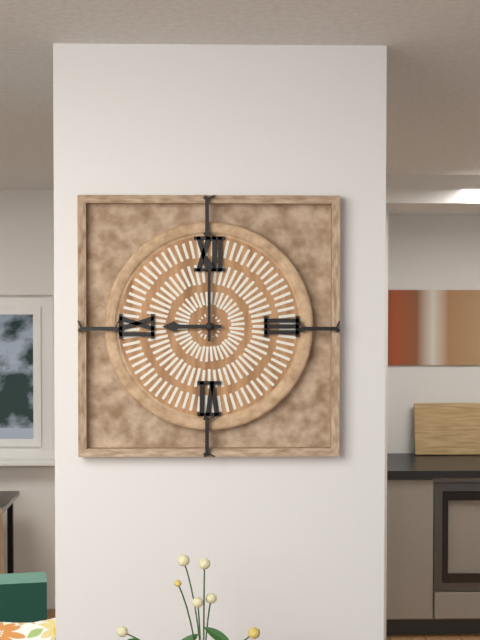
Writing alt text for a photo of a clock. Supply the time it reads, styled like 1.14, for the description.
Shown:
9.00
